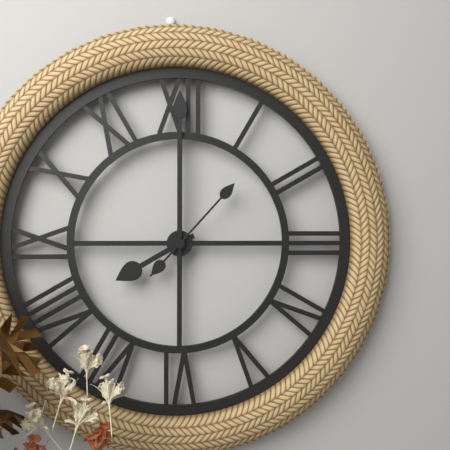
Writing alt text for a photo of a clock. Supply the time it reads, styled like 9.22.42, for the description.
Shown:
8.00.07
